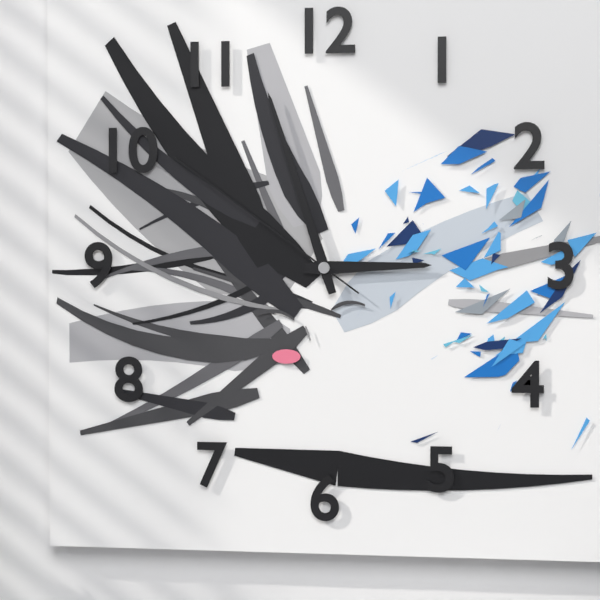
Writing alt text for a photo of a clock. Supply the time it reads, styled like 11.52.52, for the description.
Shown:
2.57.51
